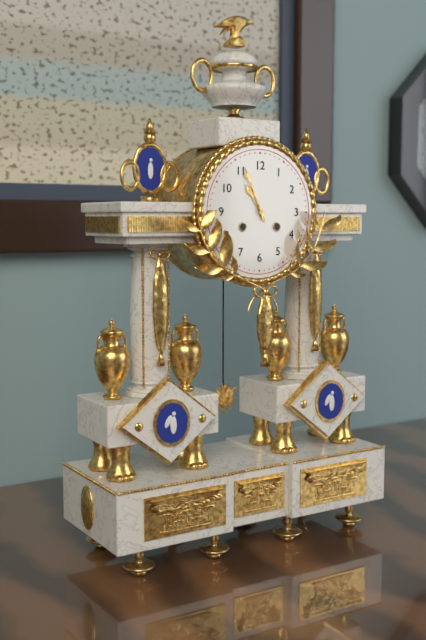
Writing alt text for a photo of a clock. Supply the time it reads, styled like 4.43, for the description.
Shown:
10.56
